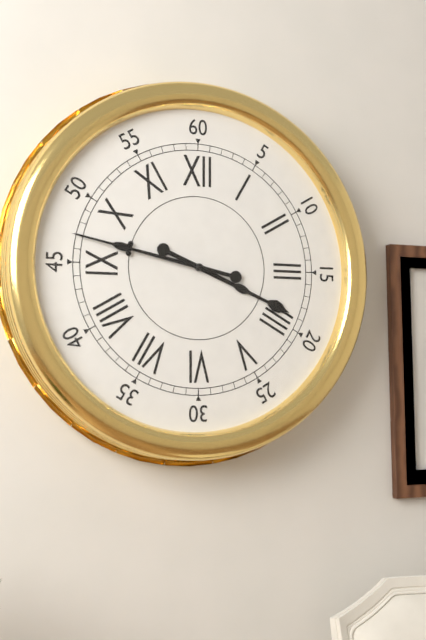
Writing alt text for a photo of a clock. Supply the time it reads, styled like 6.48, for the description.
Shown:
3.47
